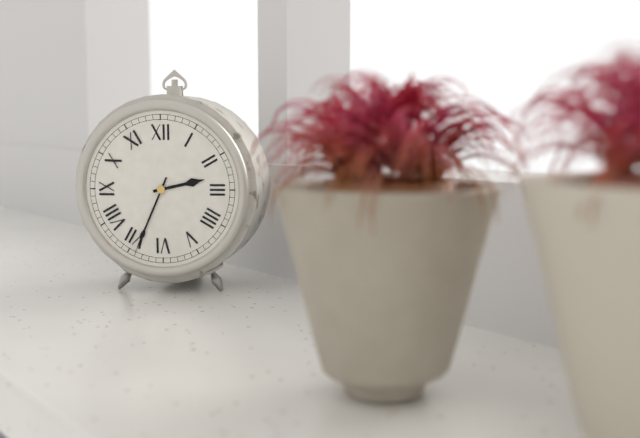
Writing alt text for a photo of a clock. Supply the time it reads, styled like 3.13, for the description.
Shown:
2.34
